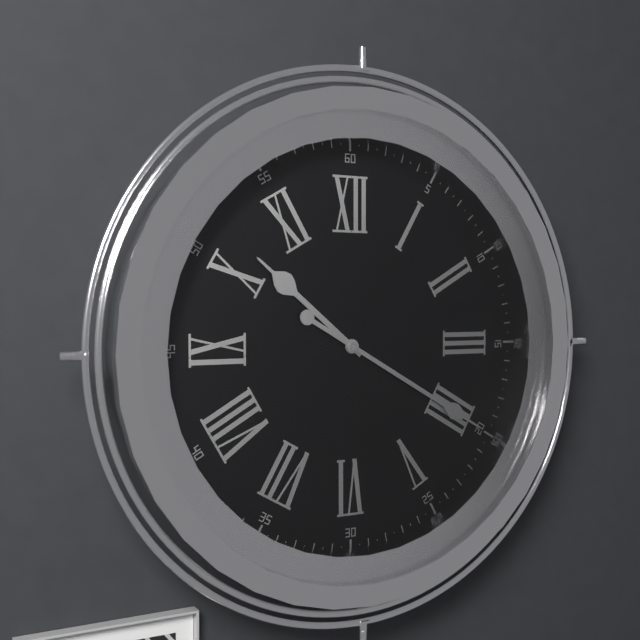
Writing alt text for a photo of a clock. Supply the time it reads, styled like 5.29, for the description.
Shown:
10.20
